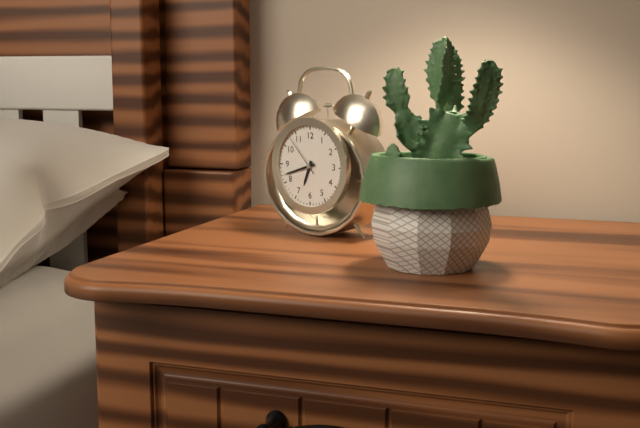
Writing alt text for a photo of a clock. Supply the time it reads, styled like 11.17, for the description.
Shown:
6.42
